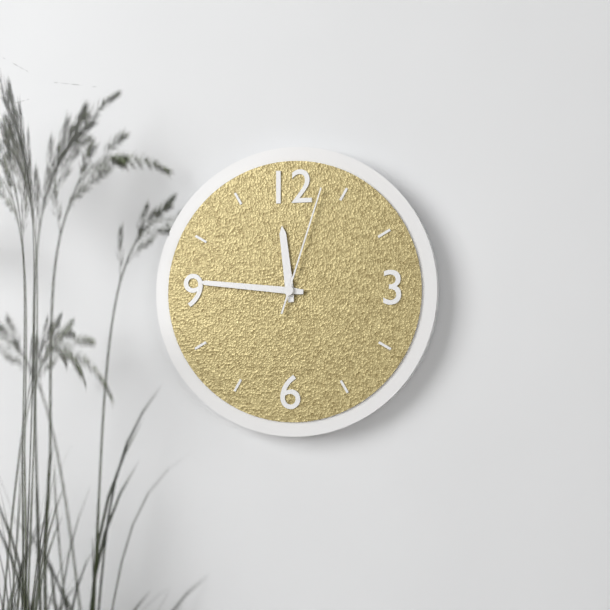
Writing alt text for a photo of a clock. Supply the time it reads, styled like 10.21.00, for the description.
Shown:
11.46.03
